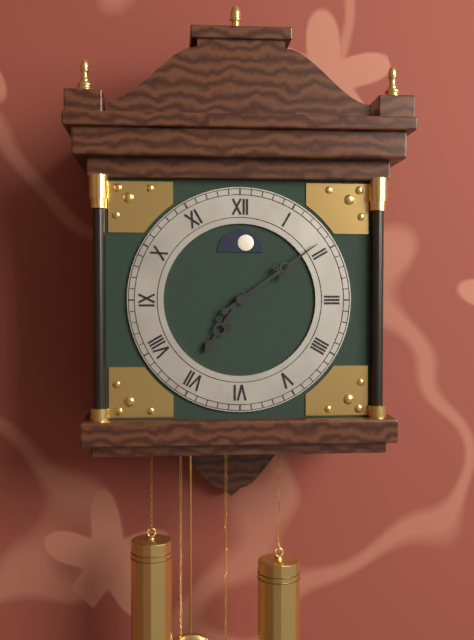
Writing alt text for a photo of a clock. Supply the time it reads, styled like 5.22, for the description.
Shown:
7.09
